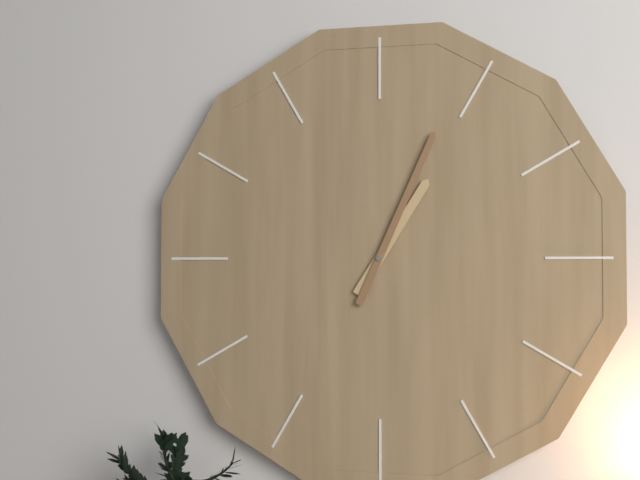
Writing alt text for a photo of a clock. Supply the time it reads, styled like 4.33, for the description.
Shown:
1.04
